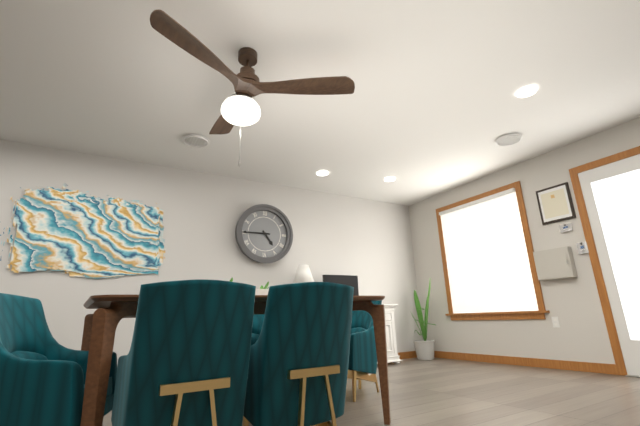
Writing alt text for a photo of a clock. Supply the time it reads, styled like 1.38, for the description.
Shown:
4.45
